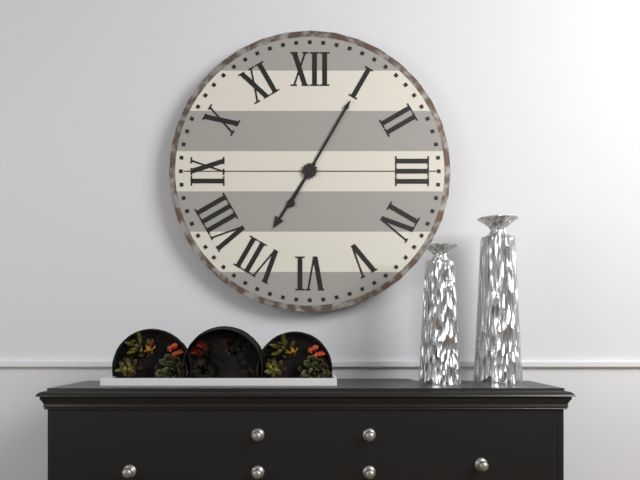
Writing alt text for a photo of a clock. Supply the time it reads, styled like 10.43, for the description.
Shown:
7.05
